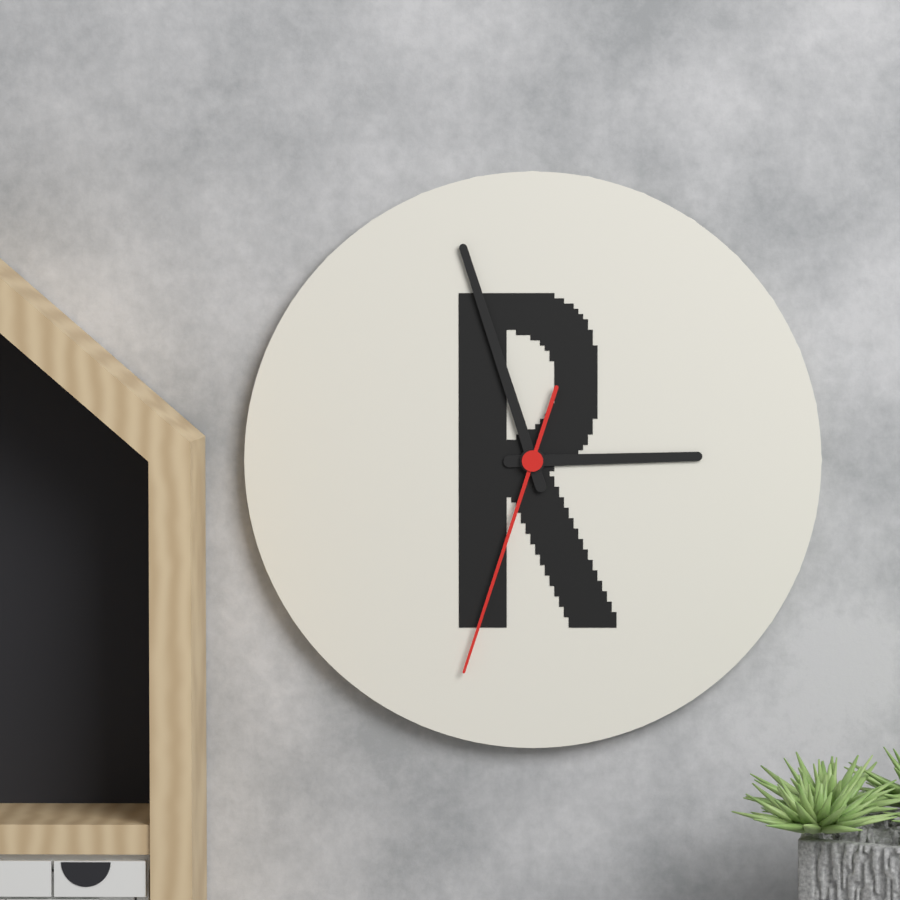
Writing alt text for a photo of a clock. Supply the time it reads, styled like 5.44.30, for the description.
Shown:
2.57.33
